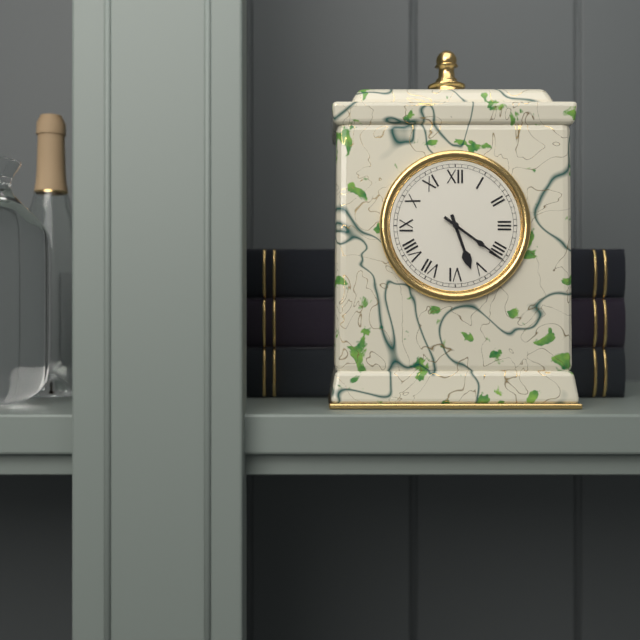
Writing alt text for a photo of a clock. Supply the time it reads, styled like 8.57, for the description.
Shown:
5.21
